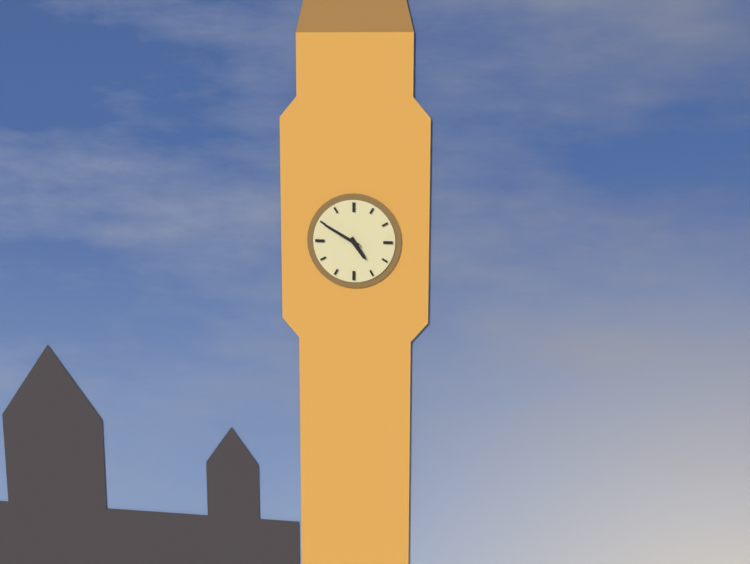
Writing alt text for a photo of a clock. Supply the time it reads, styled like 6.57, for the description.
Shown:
4.50
